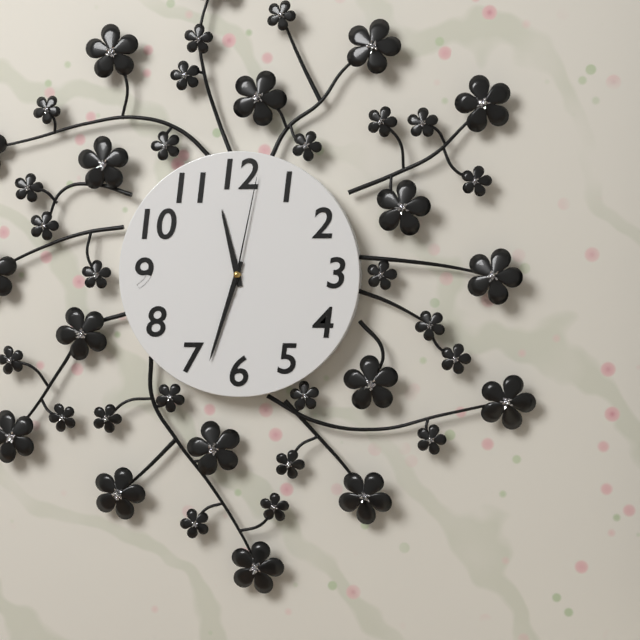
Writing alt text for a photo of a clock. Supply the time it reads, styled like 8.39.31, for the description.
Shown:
11.33.02
